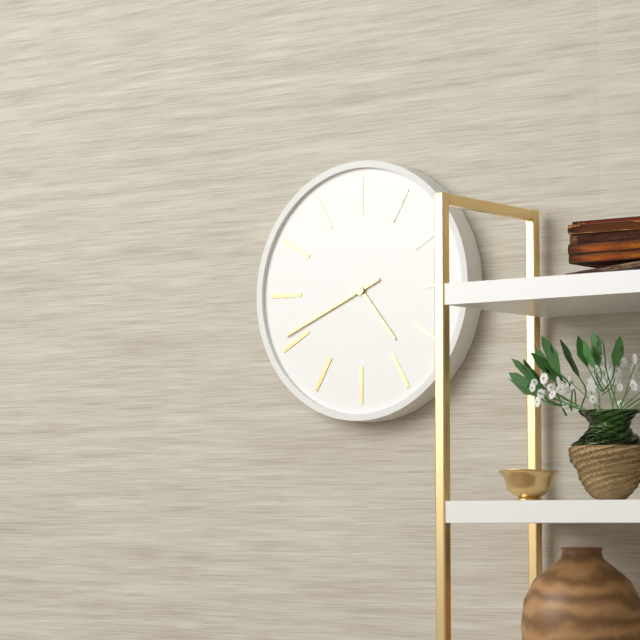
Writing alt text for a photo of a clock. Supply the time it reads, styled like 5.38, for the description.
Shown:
4.41
